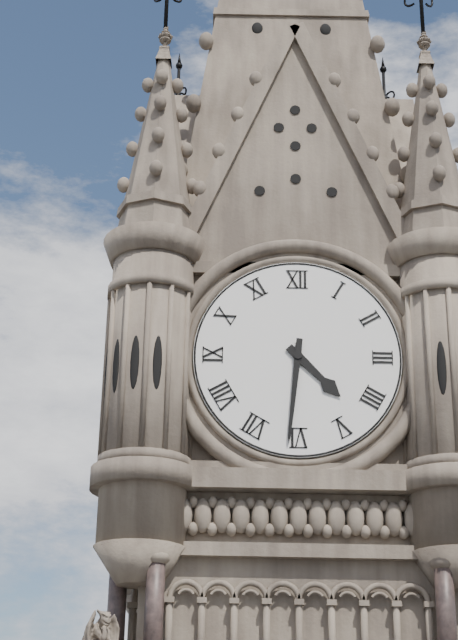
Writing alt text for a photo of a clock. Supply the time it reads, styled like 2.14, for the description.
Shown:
4.31
